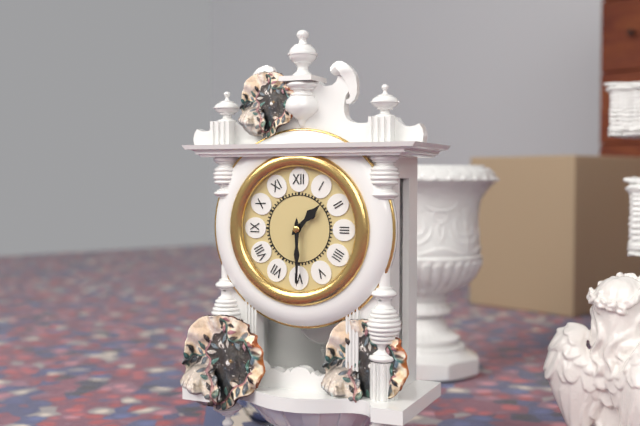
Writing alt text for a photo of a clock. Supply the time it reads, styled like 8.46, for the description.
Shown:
1.30
